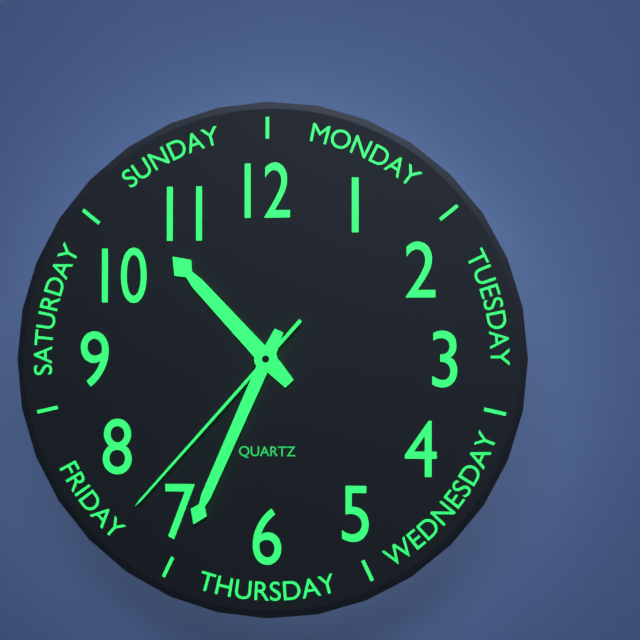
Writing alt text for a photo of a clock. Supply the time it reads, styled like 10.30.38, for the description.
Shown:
10.34.37
